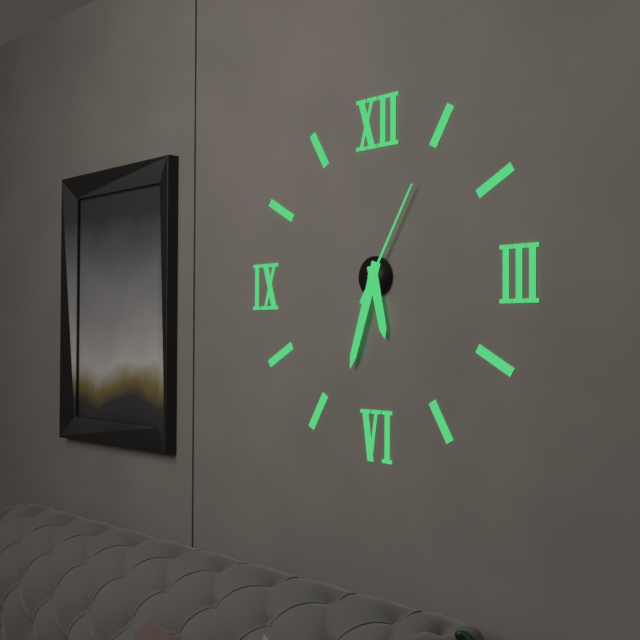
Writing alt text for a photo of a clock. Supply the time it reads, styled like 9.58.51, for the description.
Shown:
5.33.05
